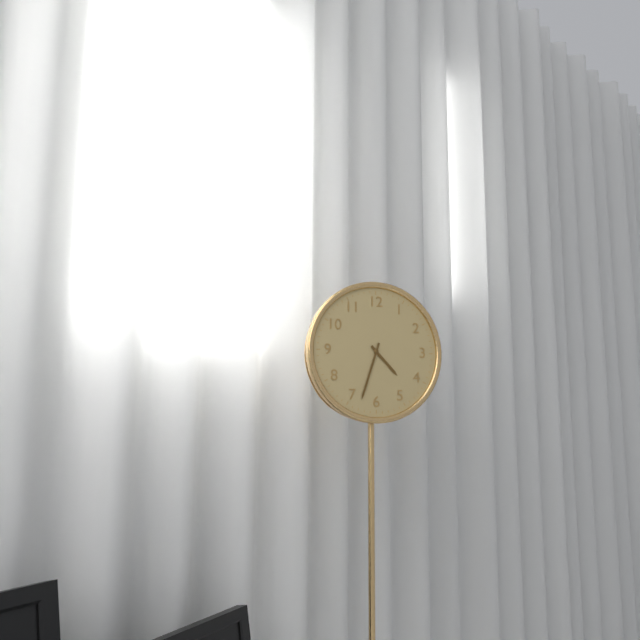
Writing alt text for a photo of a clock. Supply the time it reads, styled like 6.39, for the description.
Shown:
4.33
